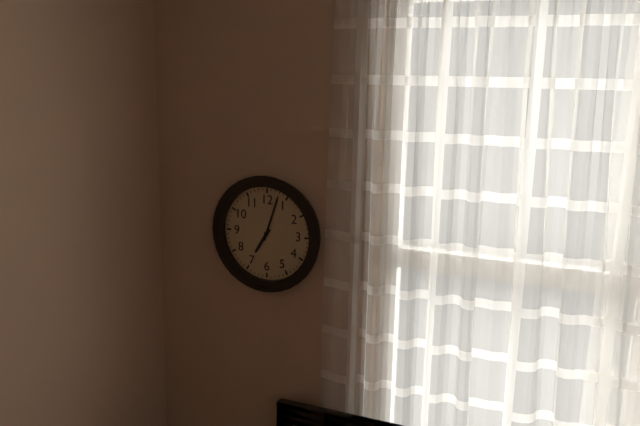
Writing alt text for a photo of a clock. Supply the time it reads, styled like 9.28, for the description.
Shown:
7.03
